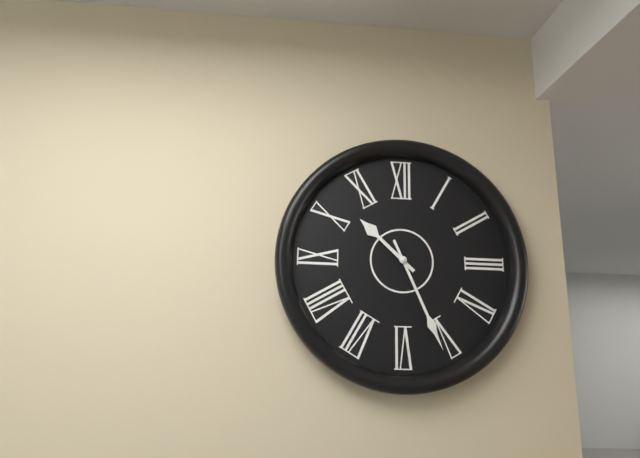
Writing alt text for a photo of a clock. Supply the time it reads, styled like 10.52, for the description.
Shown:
10.26
